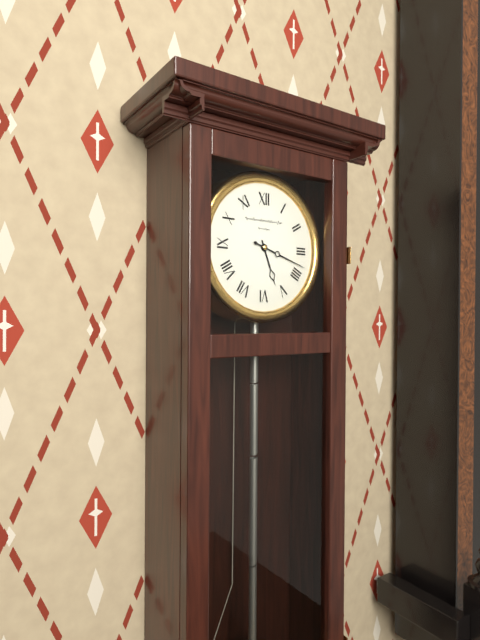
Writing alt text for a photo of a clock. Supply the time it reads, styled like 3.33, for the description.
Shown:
5.18
